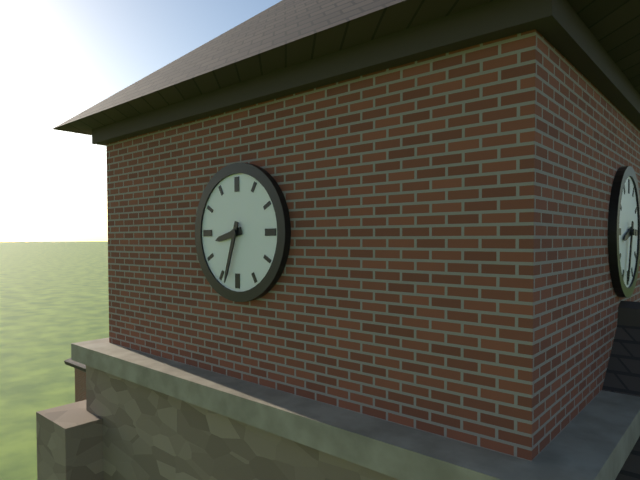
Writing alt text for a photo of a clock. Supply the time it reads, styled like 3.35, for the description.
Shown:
8.33
